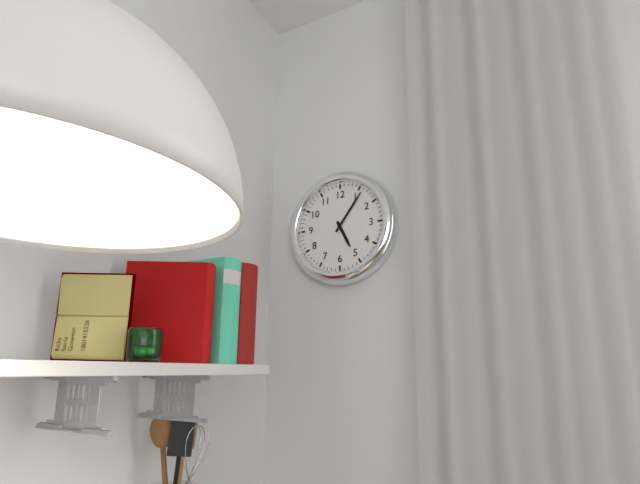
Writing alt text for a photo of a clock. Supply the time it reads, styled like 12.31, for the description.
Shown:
5.06
